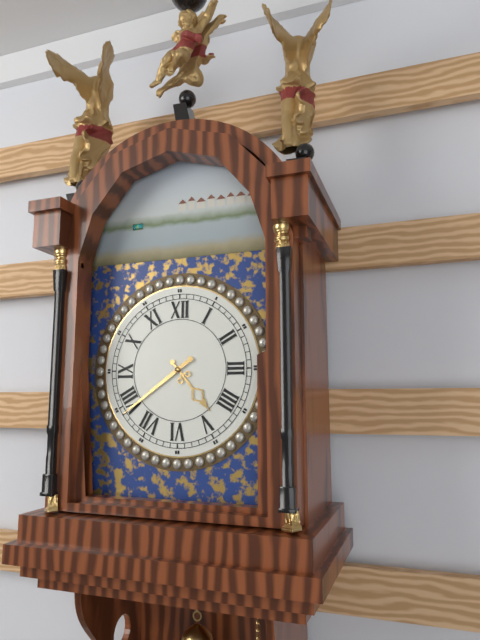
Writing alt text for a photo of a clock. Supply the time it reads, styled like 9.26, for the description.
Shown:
4.39
